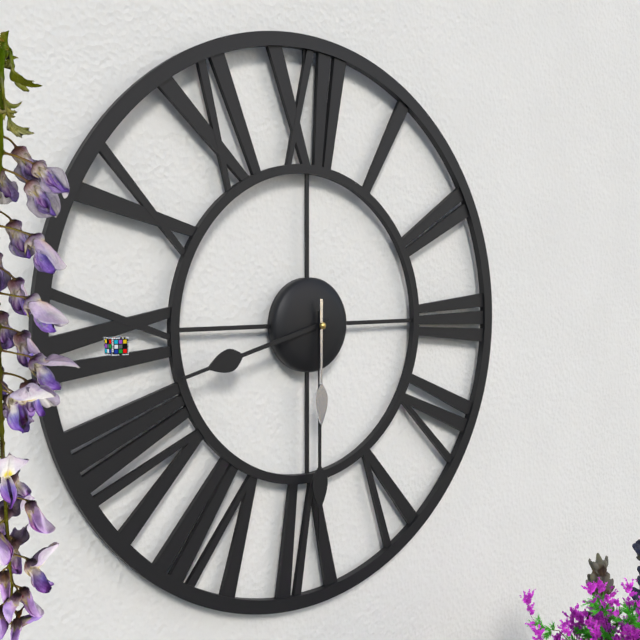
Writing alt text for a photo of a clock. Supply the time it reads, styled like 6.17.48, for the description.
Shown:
8.30.30
